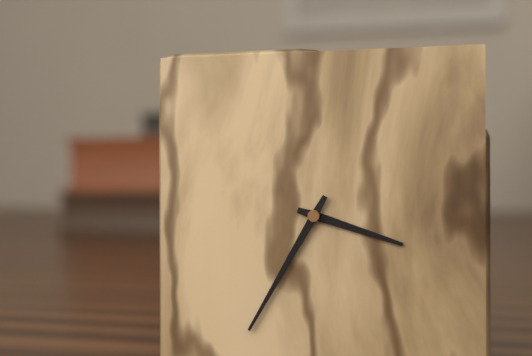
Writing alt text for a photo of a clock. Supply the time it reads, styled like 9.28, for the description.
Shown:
3.35
